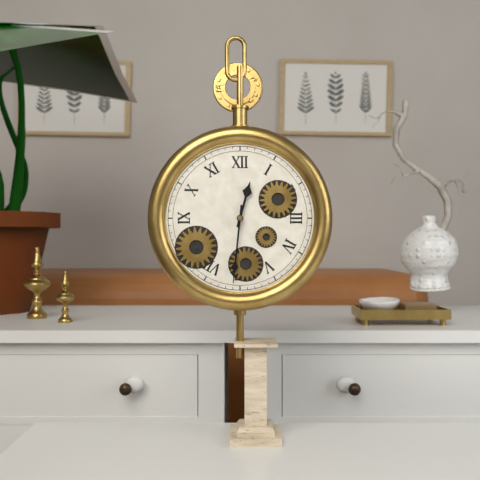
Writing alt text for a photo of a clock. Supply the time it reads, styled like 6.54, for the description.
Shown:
12.31
